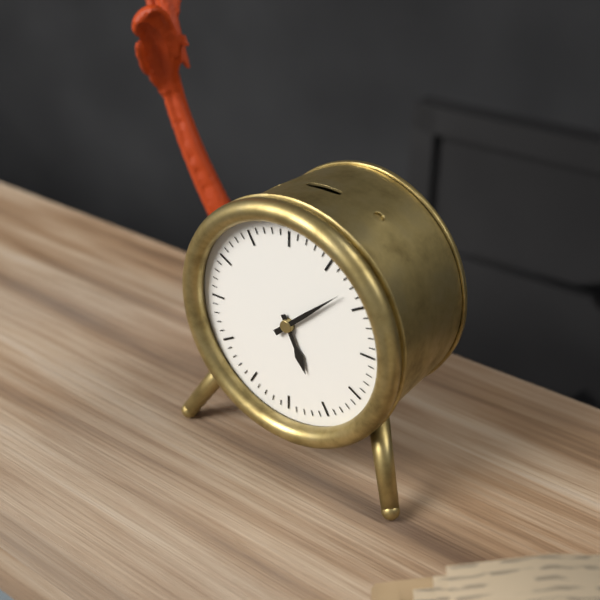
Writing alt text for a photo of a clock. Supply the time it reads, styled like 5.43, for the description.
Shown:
5.08
